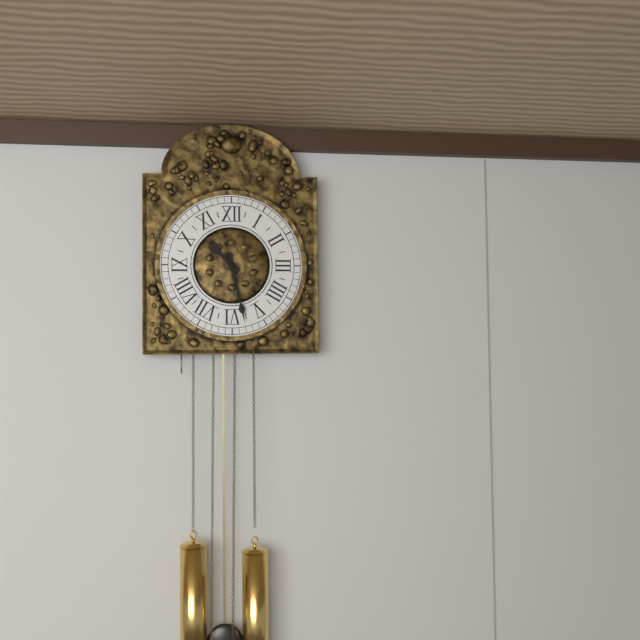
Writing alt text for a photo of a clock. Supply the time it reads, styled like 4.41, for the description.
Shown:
10.28
